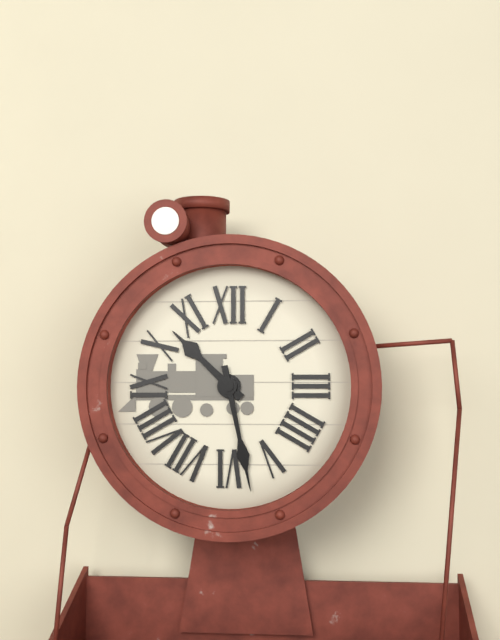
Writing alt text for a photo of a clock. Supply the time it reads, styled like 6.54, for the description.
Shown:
10.28
